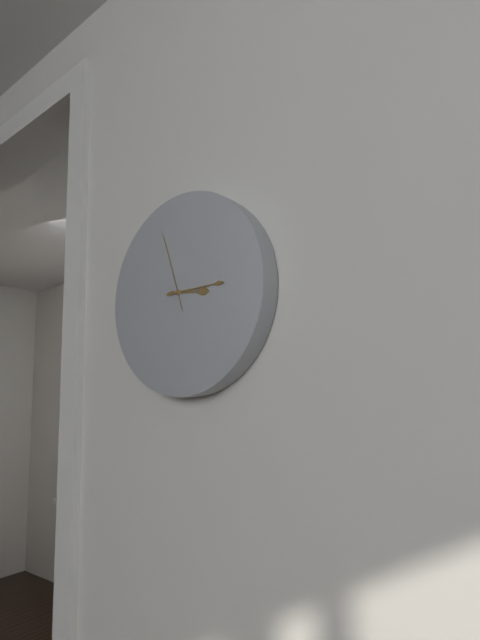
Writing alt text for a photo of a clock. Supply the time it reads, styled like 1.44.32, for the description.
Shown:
3.15.57
